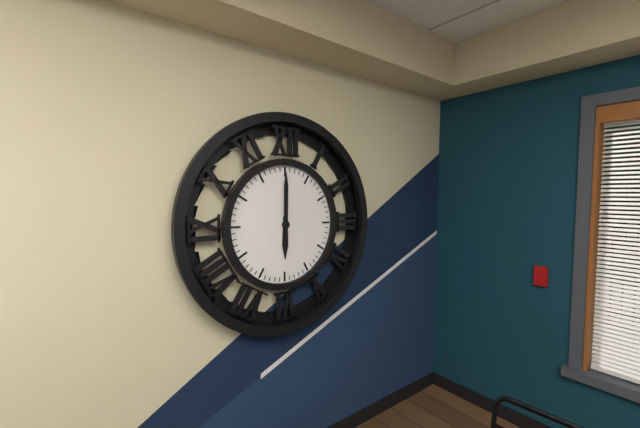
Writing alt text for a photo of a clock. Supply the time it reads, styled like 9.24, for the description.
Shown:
6.00
